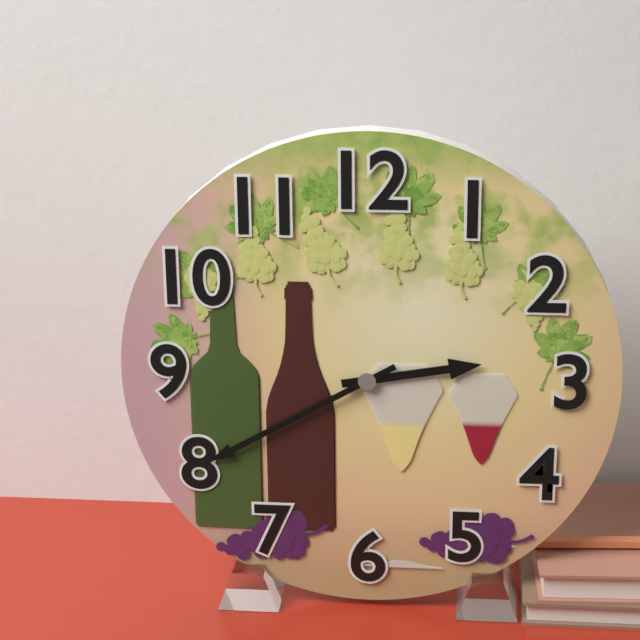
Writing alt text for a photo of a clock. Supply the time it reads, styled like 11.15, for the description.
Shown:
2.40
